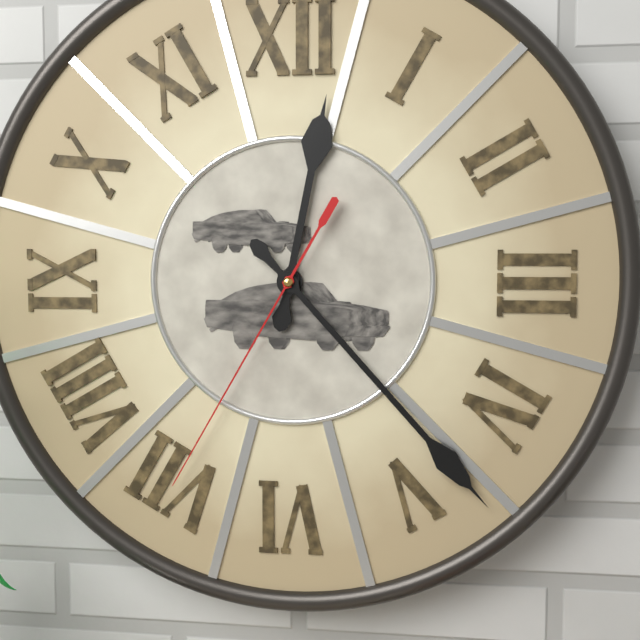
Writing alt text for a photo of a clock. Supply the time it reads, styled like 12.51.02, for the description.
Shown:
12.23.35
